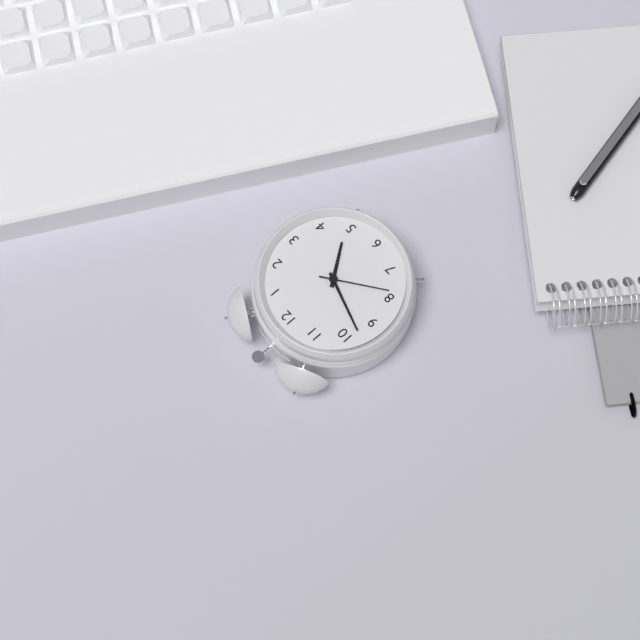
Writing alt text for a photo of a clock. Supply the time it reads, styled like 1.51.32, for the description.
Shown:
4.48.39
